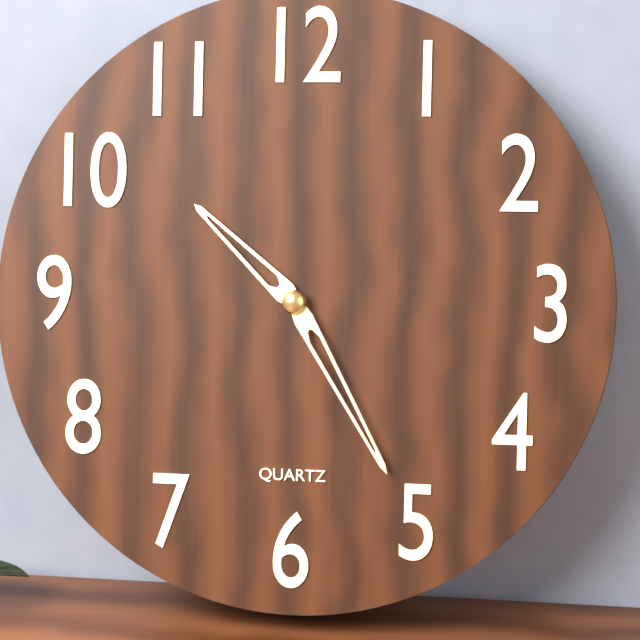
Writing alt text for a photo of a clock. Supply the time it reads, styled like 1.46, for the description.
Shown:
10.25
